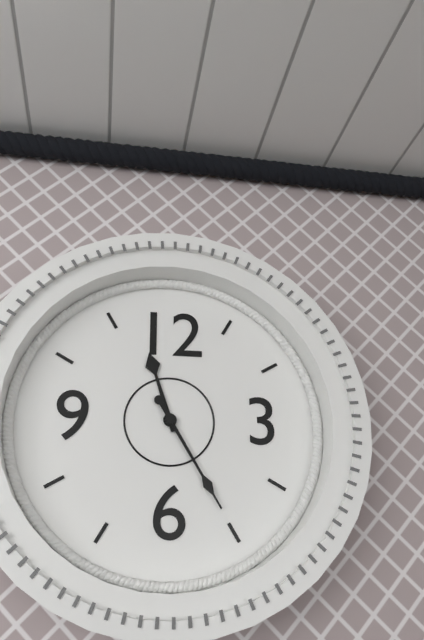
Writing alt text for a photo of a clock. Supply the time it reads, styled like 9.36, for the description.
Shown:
11.25
